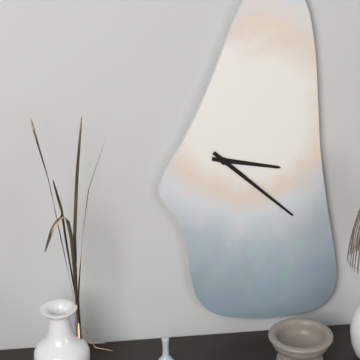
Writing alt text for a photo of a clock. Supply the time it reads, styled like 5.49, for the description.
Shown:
3.22
